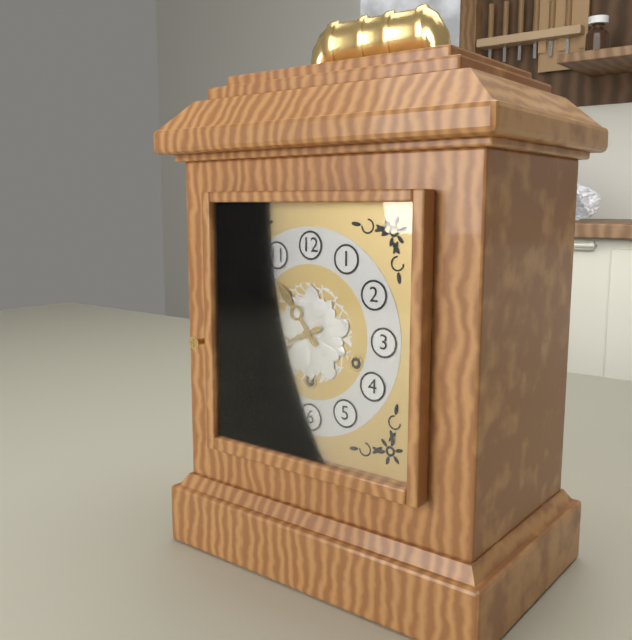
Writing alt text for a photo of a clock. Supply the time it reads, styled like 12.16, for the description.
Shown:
10.41
